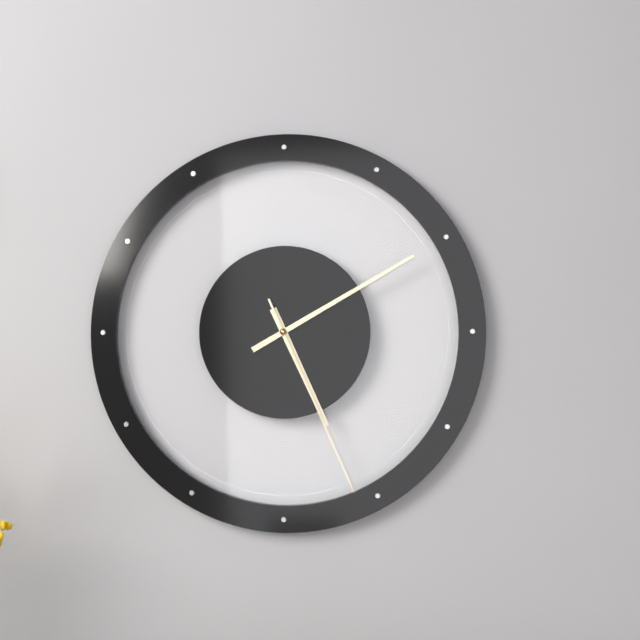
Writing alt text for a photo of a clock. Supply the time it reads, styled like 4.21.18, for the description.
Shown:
5.10.26
